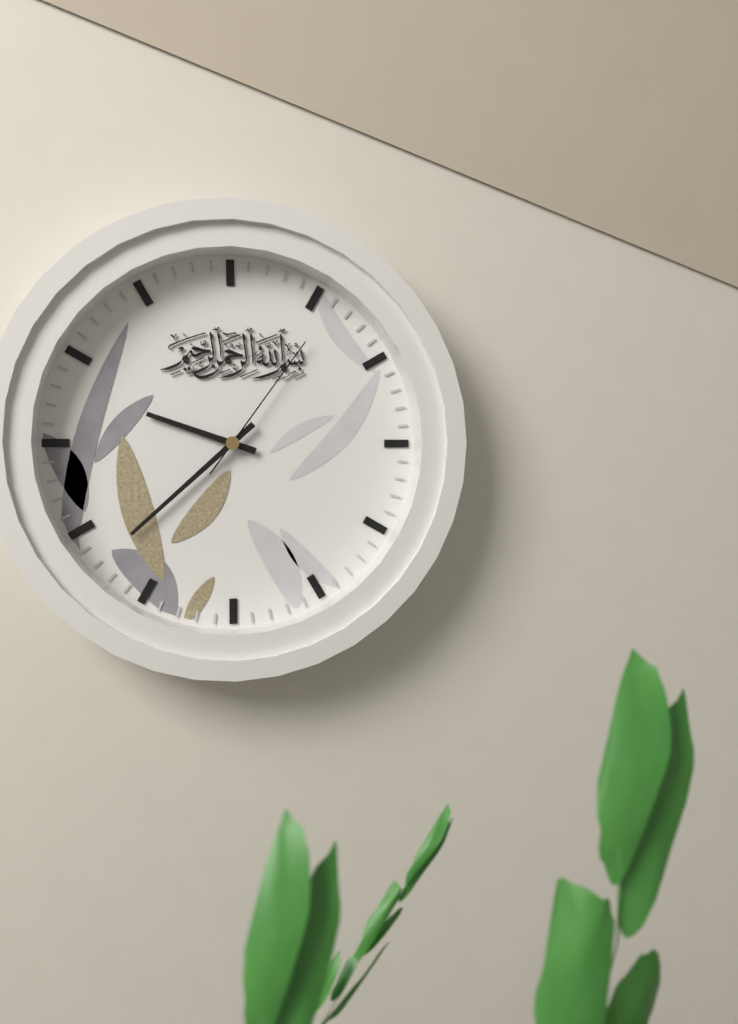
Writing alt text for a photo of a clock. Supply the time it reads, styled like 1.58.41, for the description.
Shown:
9.38.06
